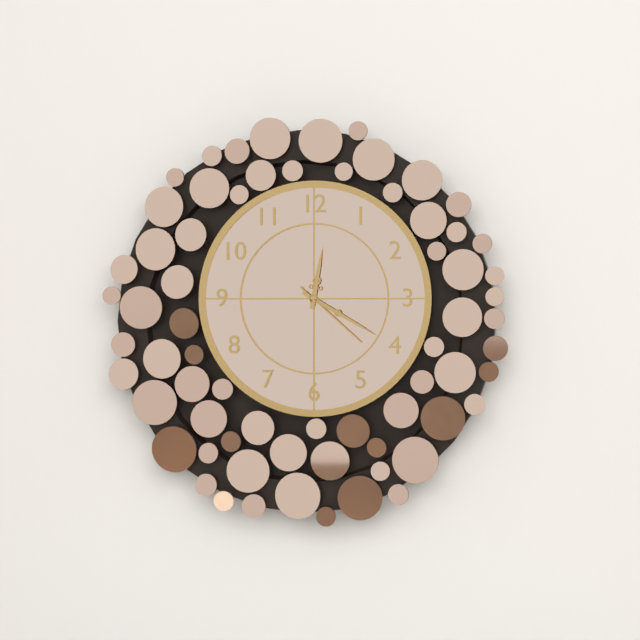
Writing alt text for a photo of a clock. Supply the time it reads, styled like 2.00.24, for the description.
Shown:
12.20.22
